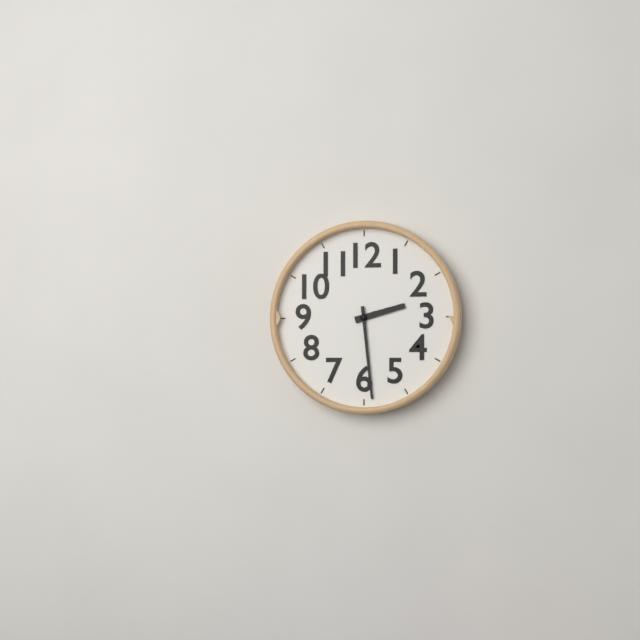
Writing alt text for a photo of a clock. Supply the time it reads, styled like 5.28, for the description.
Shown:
2.29
